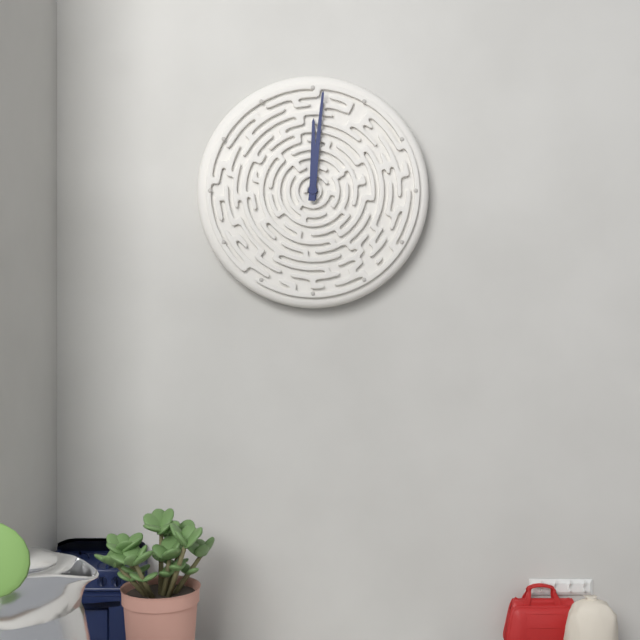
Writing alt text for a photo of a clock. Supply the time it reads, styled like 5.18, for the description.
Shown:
12.01
